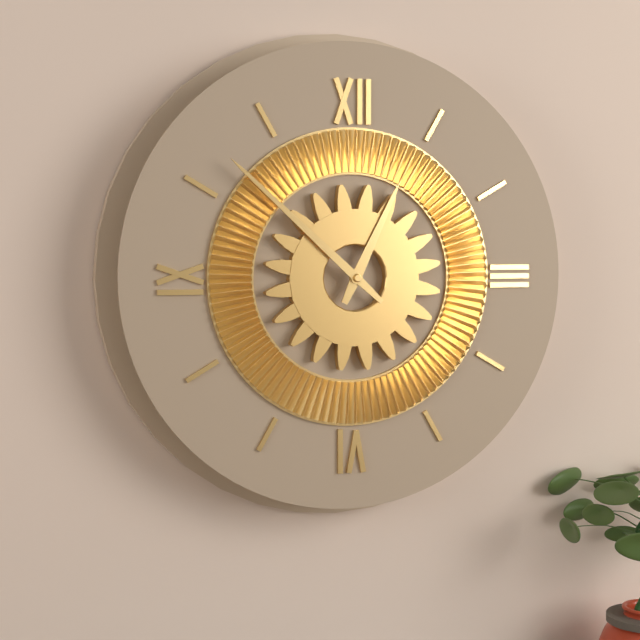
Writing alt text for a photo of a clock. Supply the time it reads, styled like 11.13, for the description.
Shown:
12.52
